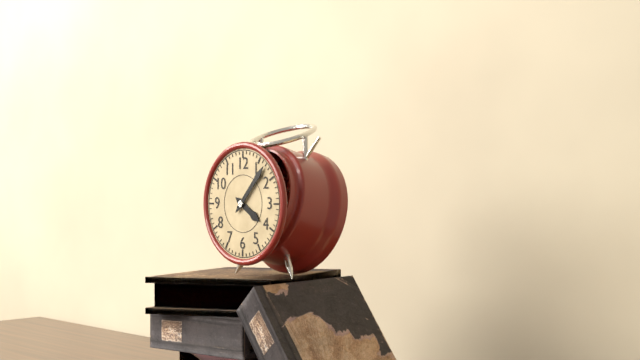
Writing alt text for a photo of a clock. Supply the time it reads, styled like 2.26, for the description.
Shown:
4.07
